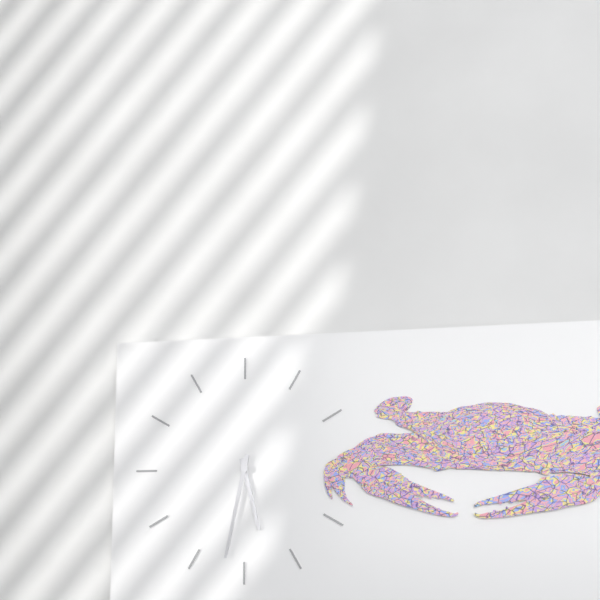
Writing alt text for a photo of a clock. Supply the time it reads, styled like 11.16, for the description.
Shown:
5.32
